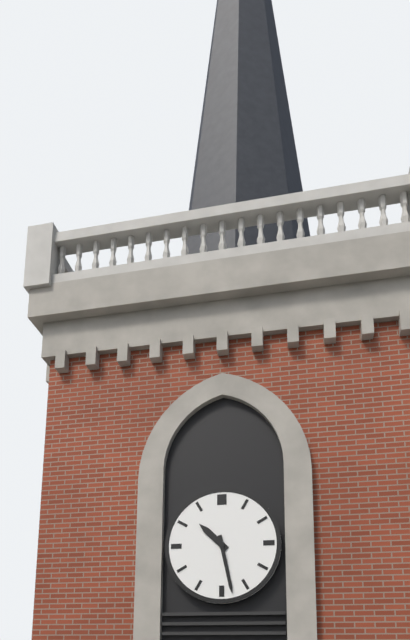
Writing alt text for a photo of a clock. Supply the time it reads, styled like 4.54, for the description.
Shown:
10.28
